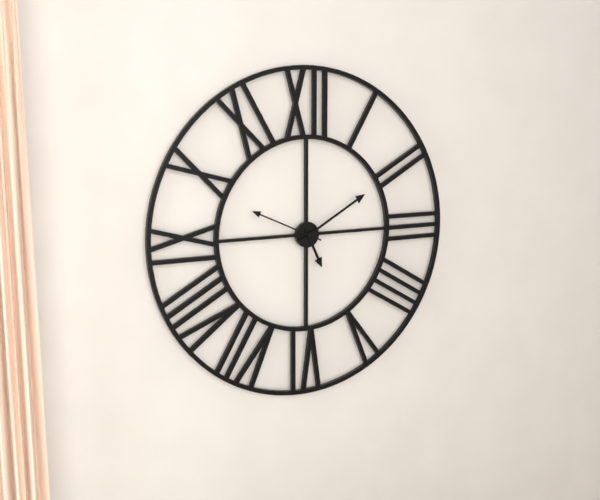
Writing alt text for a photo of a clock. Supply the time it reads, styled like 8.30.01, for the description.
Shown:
5.10.49
